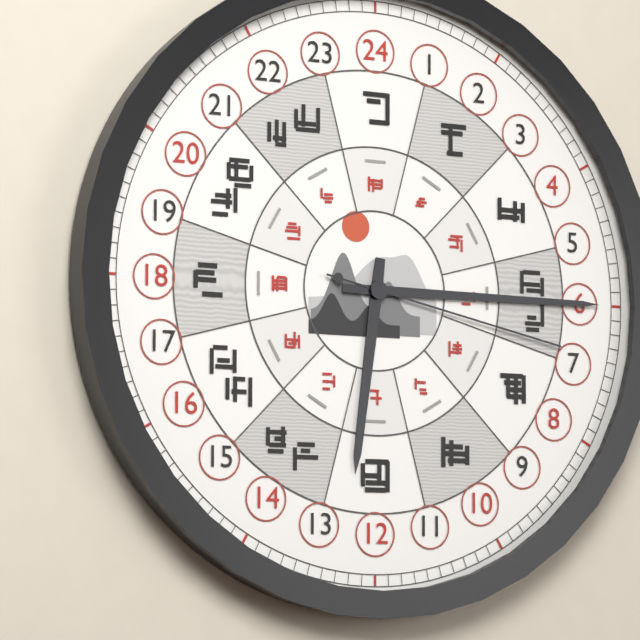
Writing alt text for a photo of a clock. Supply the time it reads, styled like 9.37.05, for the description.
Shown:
6.15.17
